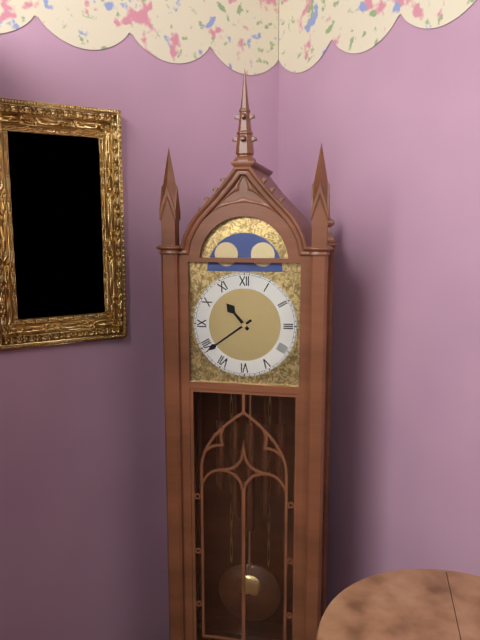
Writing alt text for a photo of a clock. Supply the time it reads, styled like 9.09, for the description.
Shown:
10.39
